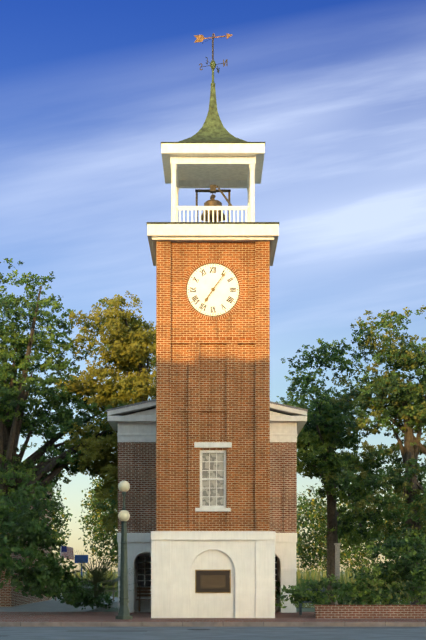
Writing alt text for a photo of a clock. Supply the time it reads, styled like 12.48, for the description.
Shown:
7.06
